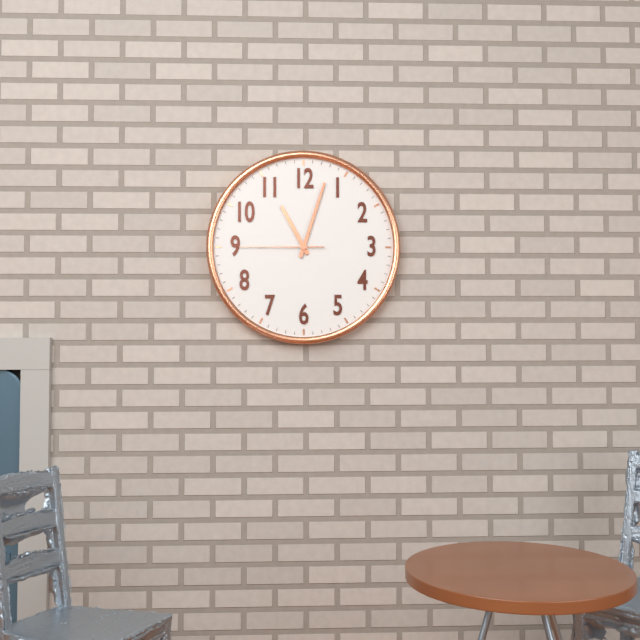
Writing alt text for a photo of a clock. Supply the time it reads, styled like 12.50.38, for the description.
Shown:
11.03.45
